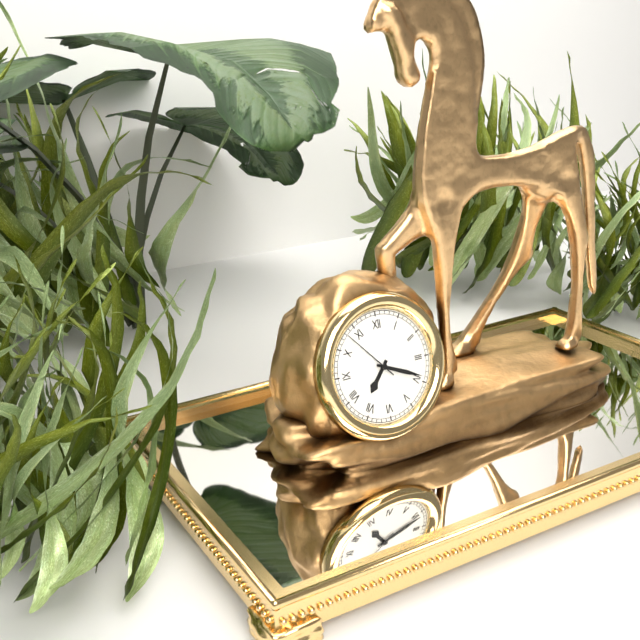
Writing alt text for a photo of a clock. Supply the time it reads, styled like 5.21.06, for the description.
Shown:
7.19.53
